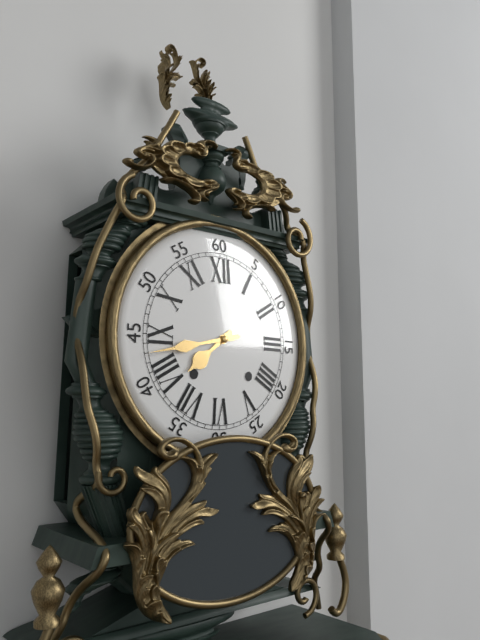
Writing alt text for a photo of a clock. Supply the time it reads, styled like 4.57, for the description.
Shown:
7.43
